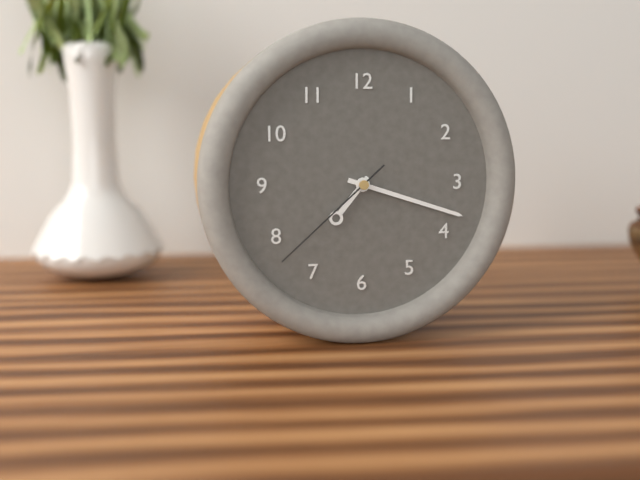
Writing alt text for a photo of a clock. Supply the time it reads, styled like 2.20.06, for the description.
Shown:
7.18.38
